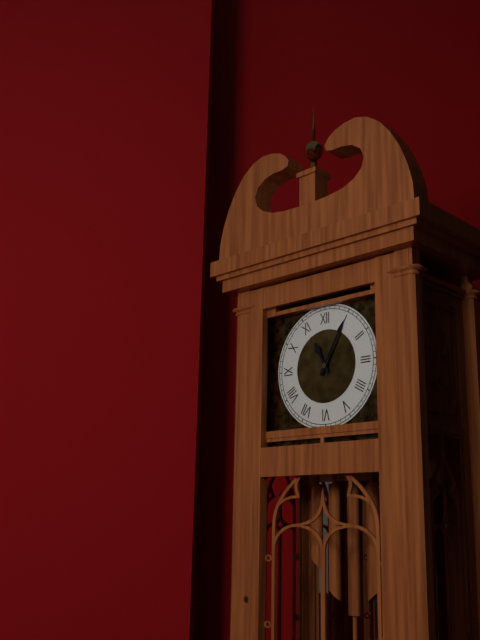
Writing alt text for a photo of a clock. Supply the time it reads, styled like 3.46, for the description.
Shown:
11.05
